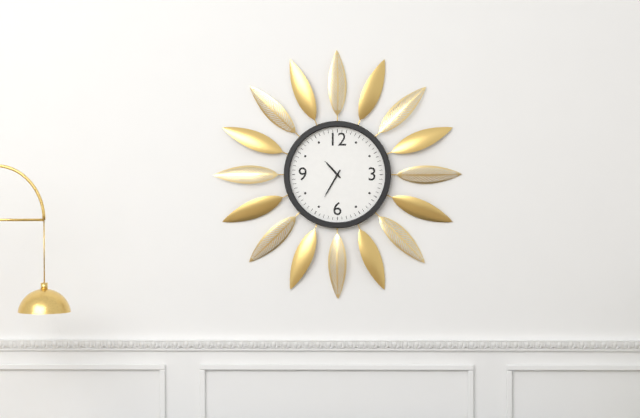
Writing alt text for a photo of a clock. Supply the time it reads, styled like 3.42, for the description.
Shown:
10.35
